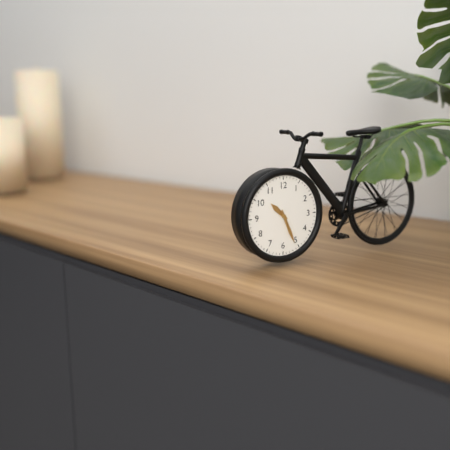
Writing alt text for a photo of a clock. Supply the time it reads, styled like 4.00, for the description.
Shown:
10.26
